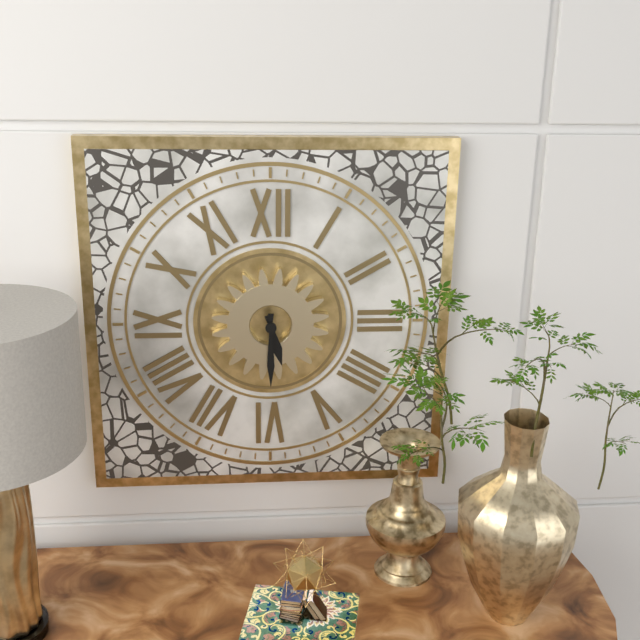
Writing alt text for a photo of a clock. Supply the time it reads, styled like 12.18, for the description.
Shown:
5.30
